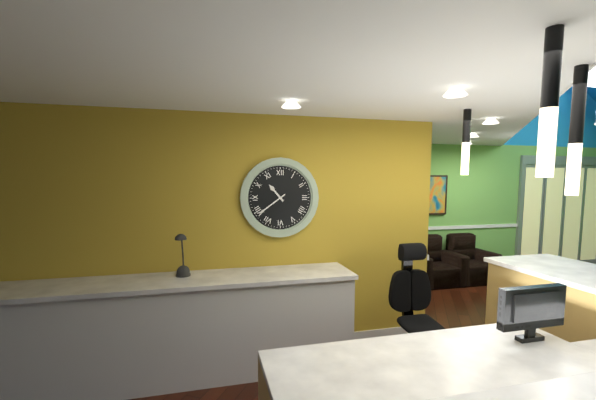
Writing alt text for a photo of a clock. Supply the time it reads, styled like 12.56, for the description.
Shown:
10.39
